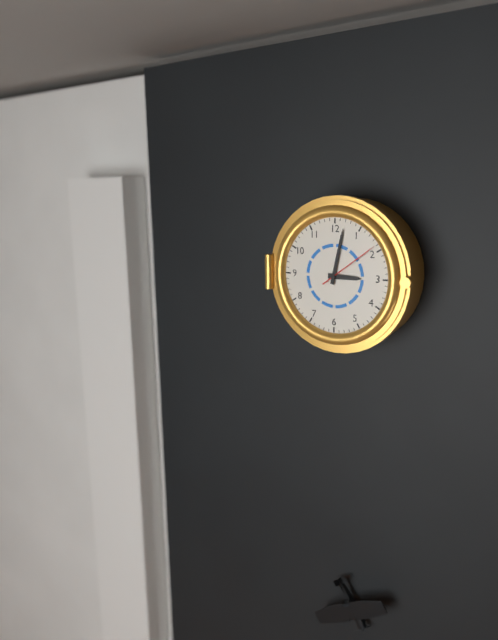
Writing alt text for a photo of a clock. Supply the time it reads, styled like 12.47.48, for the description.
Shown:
3.02.09
